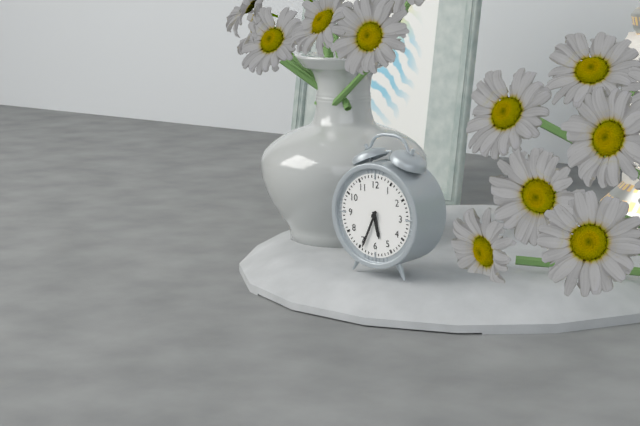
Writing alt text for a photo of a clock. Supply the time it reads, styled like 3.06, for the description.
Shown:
5.34
